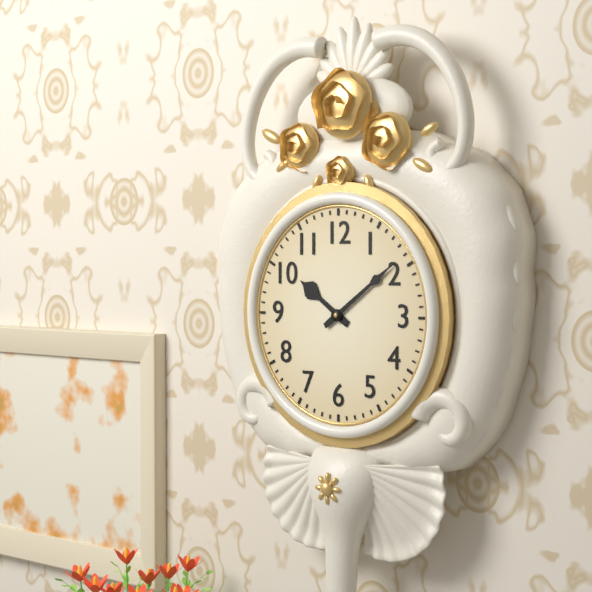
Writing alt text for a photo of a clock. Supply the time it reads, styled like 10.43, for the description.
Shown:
10.09
